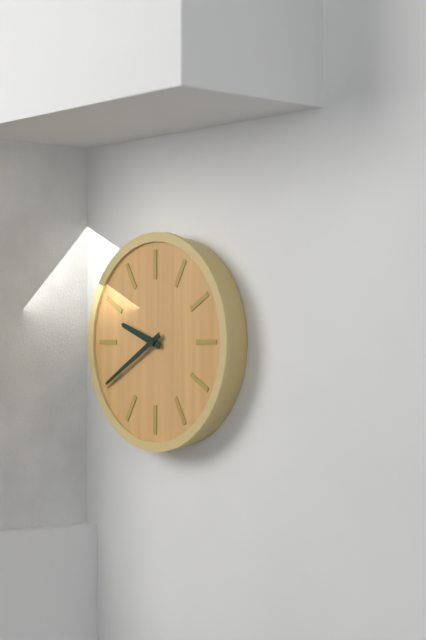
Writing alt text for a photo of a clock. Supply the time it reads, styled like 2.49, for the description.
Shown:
9.40
